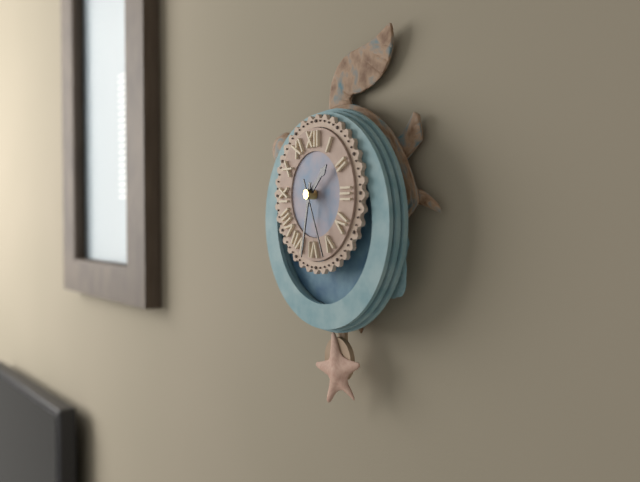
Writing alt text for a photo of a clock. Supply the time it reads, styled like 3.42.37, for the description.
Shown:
1.32.26
